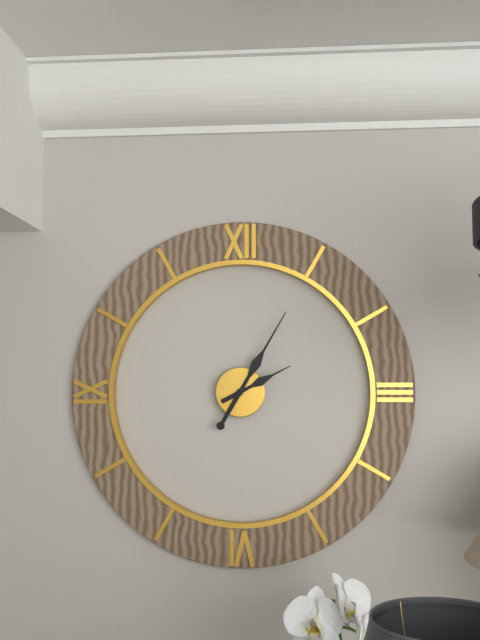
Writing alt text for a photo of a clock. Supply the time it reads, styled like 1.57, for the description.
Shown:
2.05
